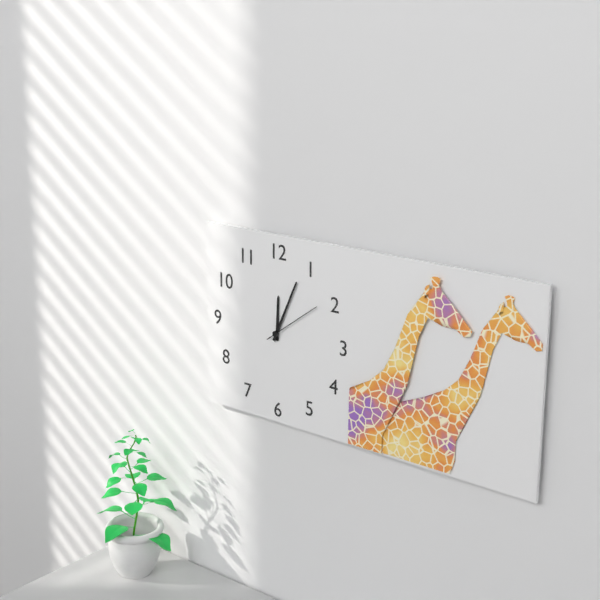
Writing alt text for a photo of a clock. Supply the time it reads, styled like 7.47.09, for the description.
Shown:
12.04.09
